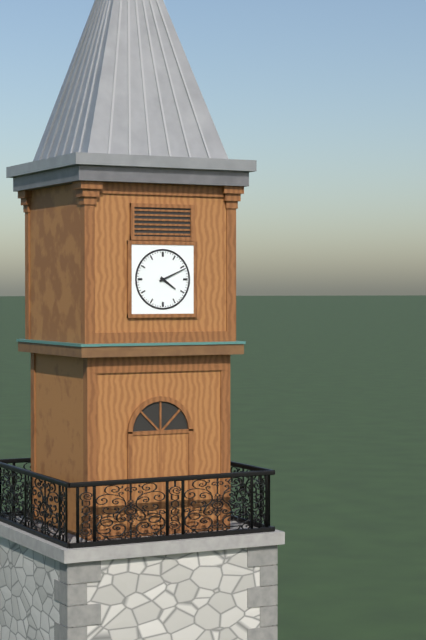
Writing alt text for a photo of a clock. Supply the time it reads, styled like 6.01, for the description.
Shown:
4.11
